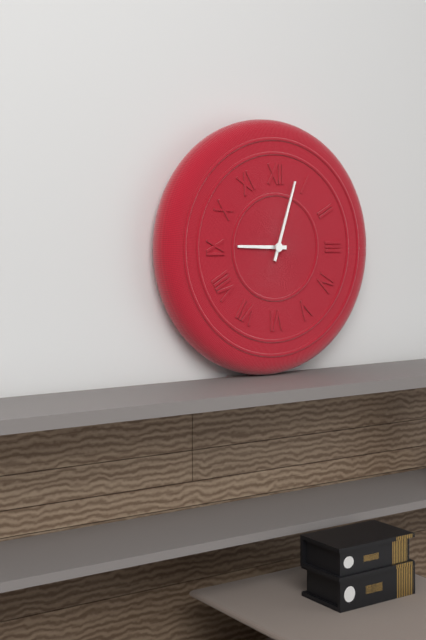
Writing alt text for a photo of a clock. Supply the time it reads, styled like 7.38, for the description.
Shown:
9.03
